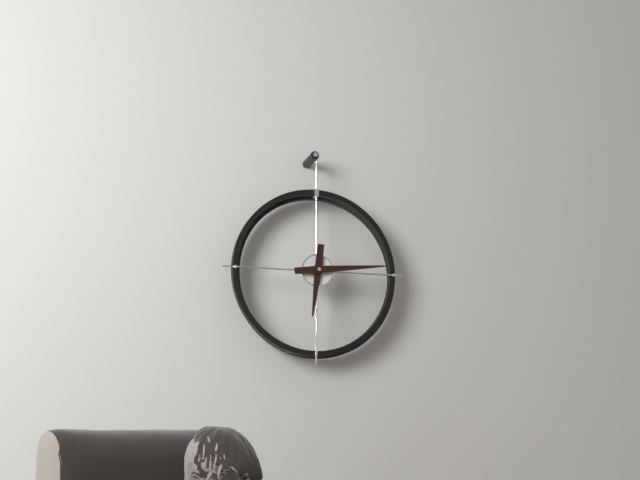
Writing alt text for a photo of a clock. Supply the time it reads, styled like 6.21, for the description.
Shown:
6.14
